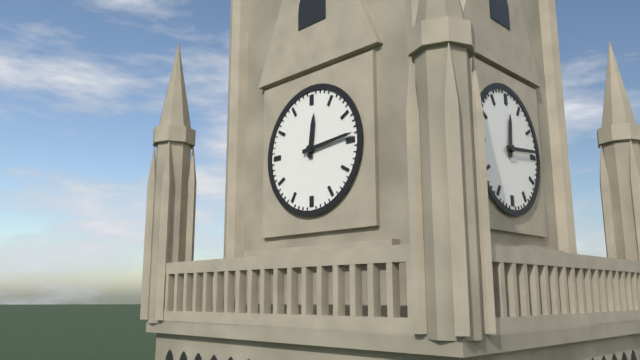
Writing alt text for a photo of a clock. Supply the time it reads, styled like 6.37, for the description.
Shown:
12.14
